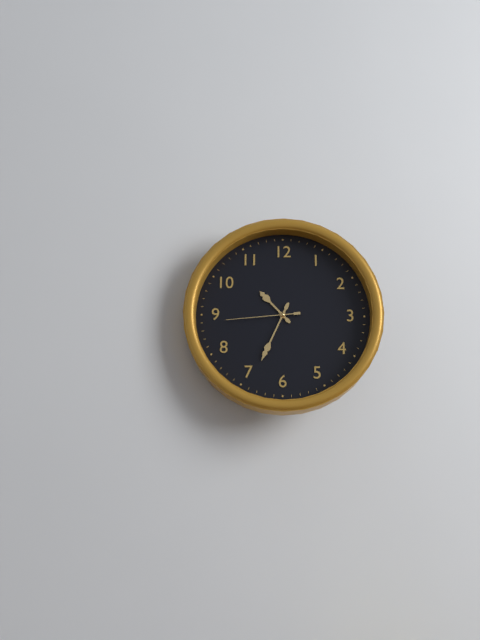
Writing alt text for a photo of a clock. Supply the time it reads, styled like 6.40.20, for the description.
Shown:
10.34.44
